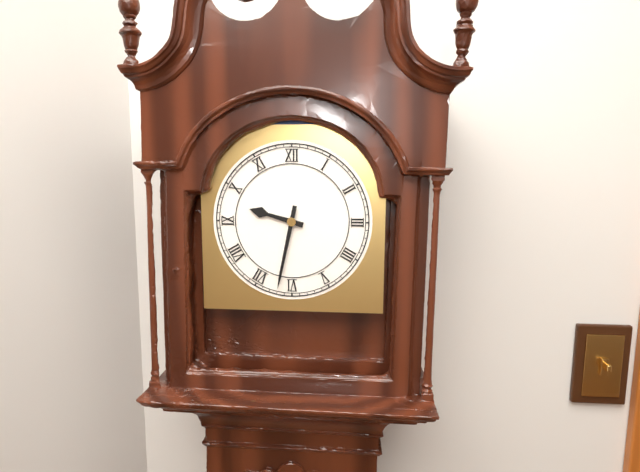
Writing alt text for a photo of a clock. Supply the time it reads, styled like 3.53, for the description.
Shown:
9.32
